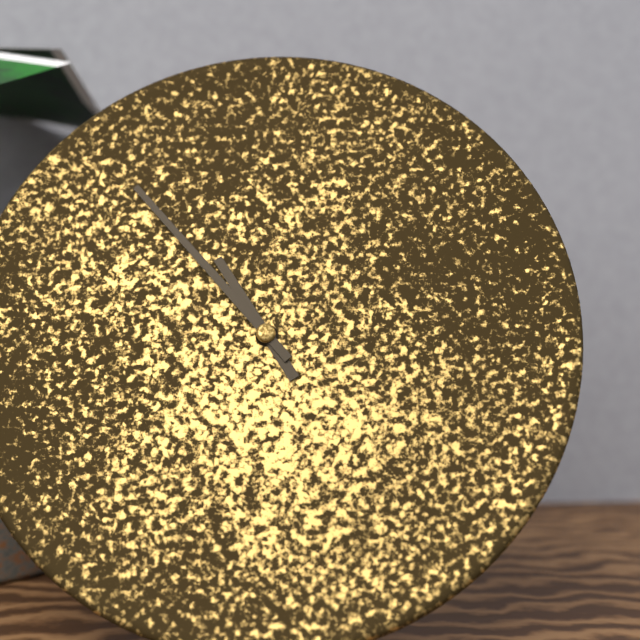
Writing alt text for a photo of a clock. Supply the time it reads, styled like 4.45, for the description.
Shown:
10.53
